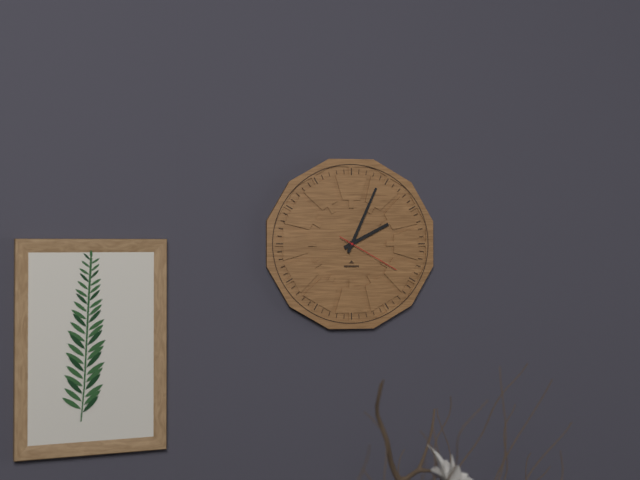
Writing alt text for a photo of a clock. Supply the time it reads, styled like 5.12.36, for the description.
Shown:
2.04.20
